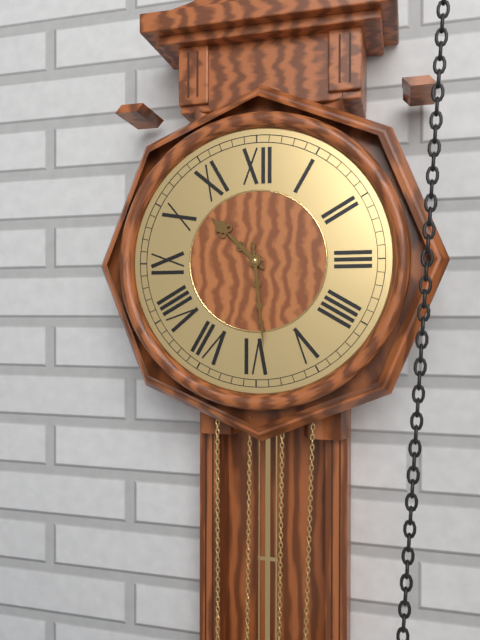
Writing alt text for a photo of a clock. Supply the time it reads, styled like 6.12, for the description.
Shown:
10.29
